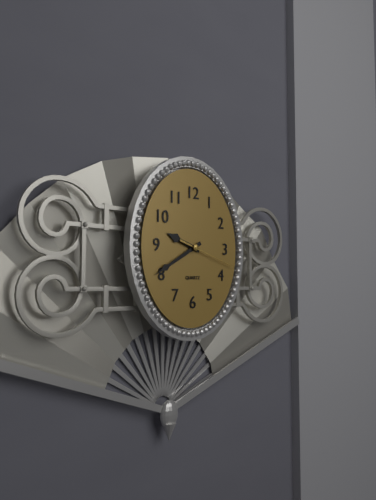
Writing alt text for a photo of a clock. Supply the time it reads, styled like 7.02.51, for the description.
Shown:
9.40.18
